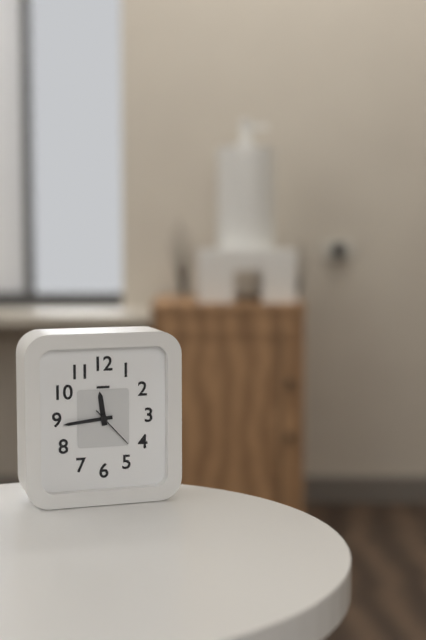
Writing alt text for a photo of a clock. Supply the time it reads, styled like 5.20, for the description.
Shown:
11.44
